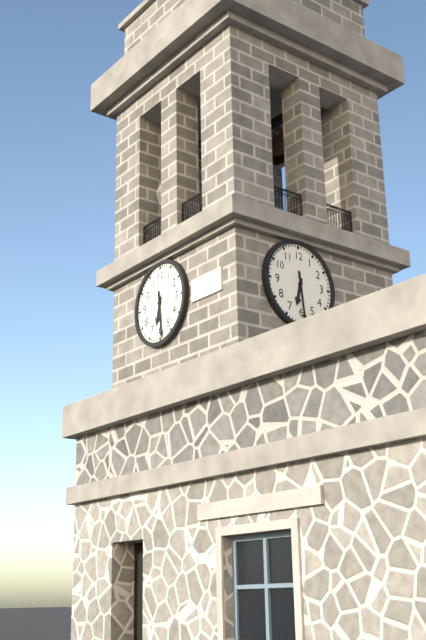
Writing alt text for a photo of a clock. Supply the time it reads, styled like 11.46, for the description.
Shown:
6.29
